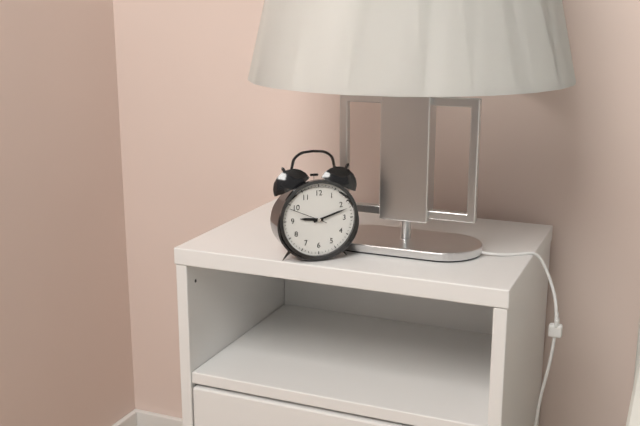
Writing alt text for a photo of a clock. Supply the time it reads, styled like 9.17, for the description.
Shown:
9.12
